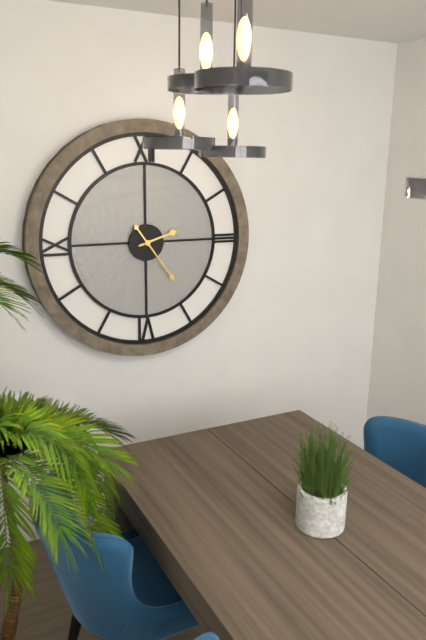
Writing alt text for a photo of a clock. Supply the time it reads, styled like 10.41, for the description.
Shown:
2.24
